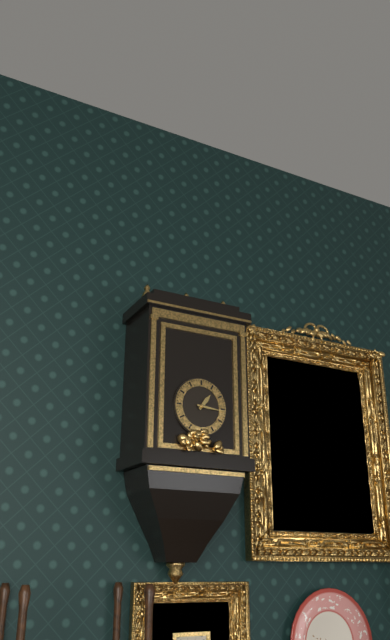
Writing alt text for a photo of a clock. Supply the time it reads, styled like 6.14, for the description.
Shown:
1.16
